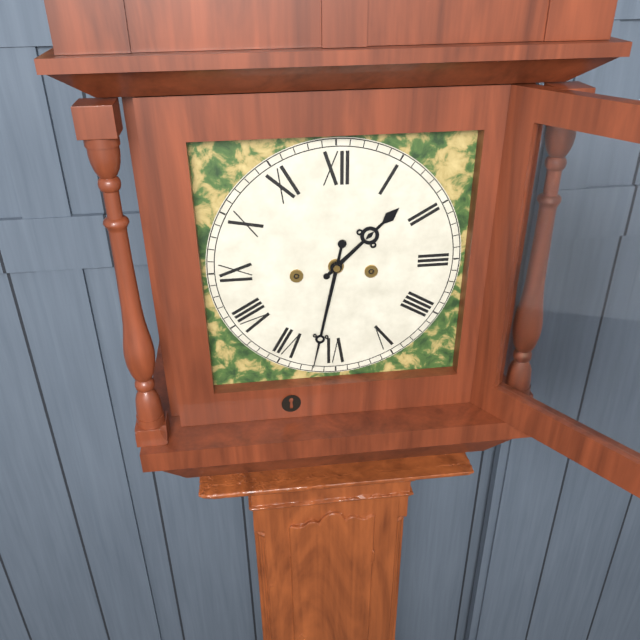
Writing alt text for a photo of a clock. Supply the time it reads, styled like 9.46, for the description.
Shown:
1.32
